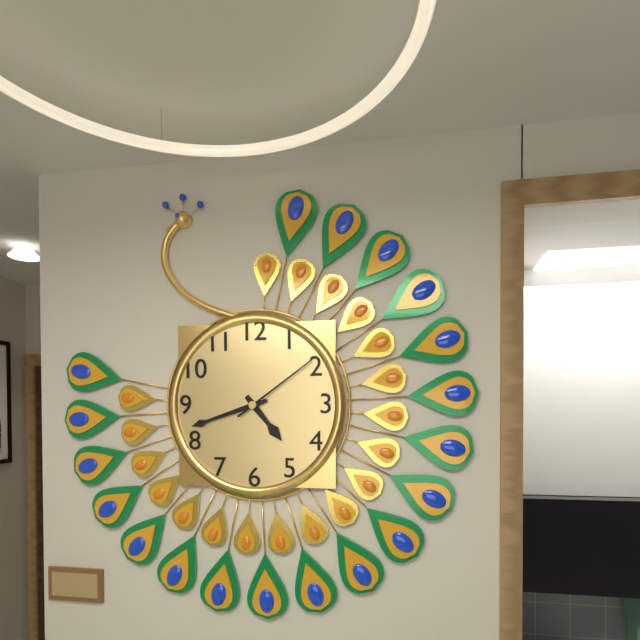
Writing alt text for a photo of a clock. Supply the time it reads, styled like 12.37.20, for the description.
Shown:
4.42.09
